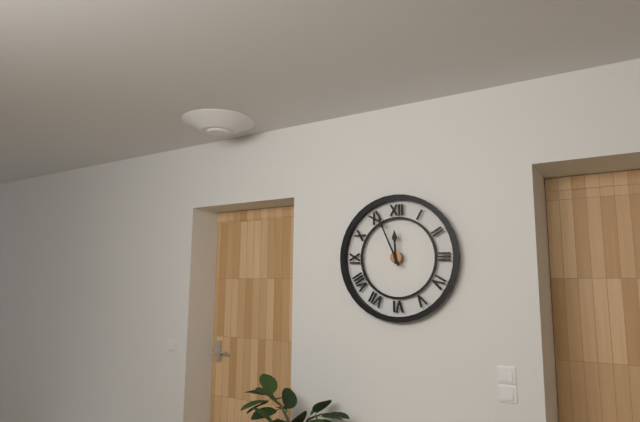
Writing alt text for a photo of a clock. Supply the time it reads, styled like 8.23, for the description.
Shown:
11.56
